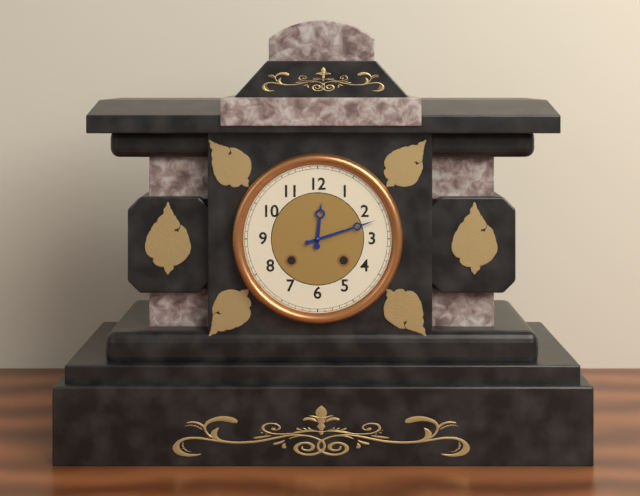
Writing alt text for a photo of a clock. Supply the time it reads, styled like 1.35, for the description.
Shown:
12.12
